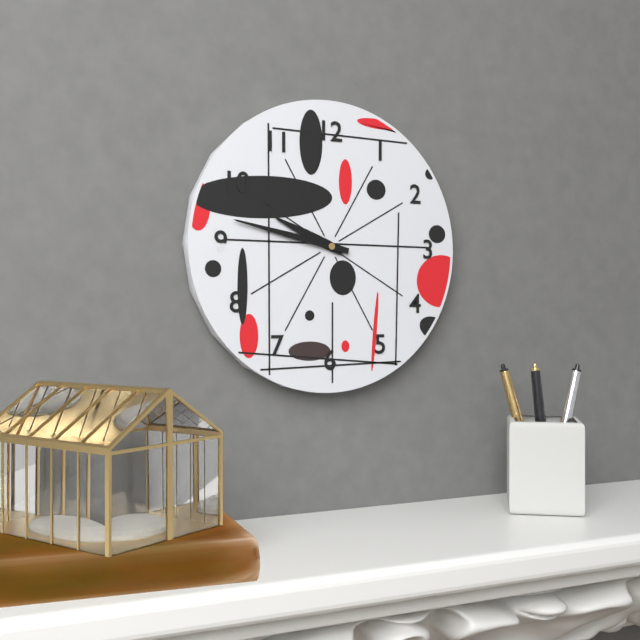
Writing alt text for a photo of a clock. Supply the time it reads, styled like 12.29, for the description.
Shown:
9.47
